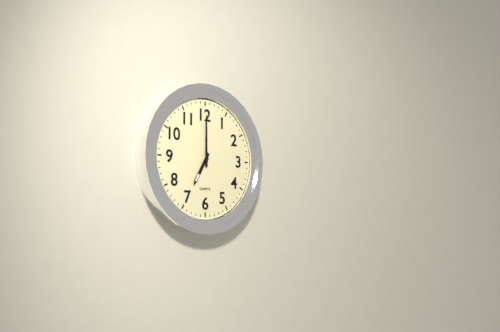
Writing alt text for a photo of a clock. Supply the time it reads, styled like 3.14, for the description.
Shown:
7.00
